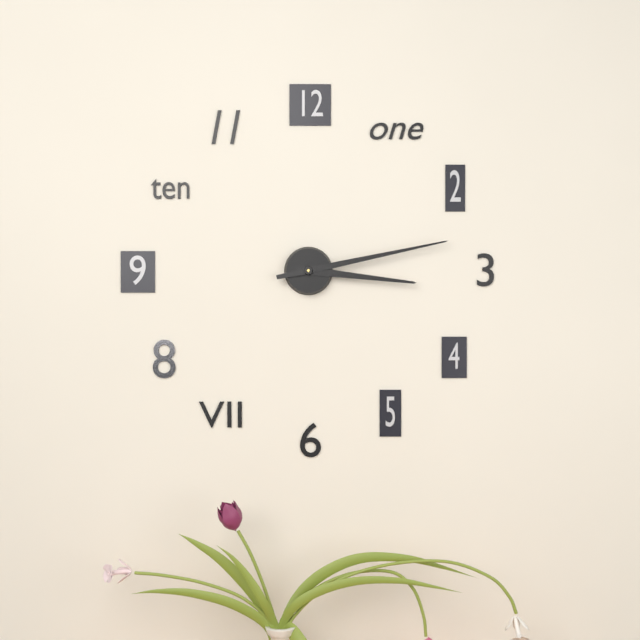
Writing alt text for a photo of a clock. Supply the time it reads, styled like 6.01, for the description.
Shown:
3.13
